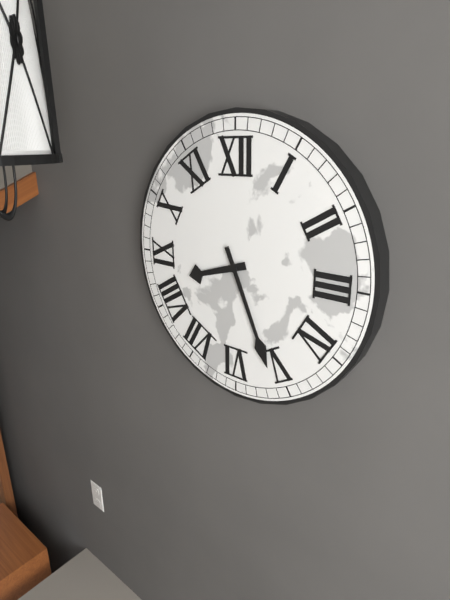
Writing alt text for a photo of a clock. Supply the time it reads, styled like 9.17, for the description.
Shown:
8.26
